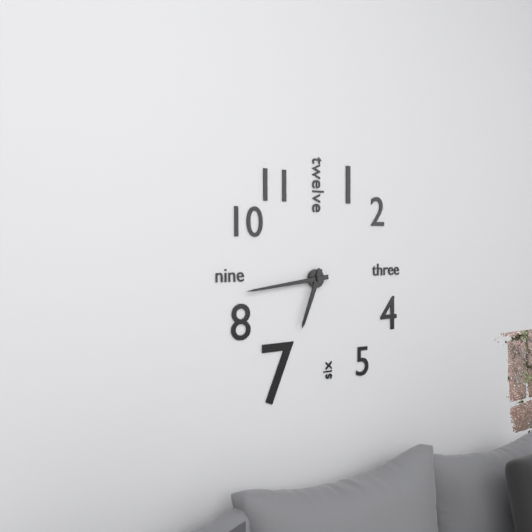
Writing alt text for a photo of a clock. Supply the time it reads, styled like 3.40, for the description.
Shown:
6.44
